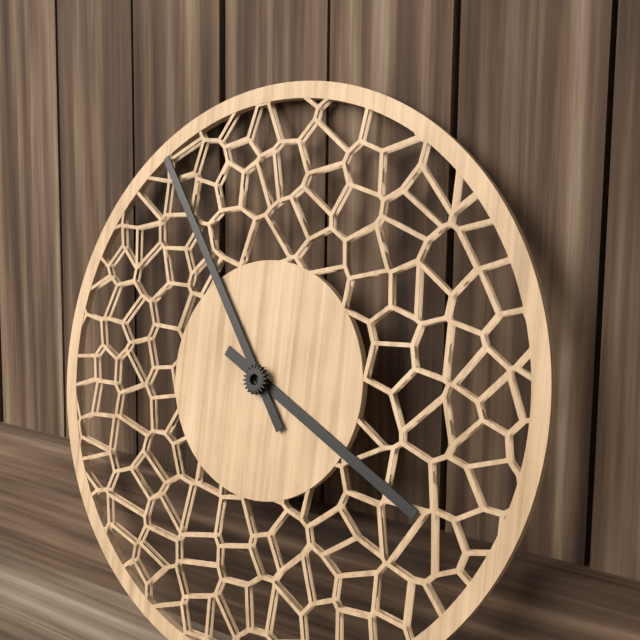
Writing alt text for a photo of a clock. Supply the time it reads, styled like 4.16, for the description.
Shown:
3.54
